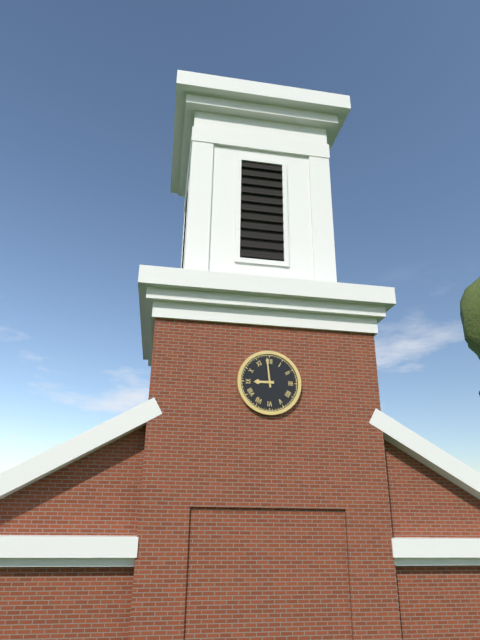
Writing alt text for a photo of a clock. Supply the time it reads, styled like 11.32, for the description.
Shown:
8.59
